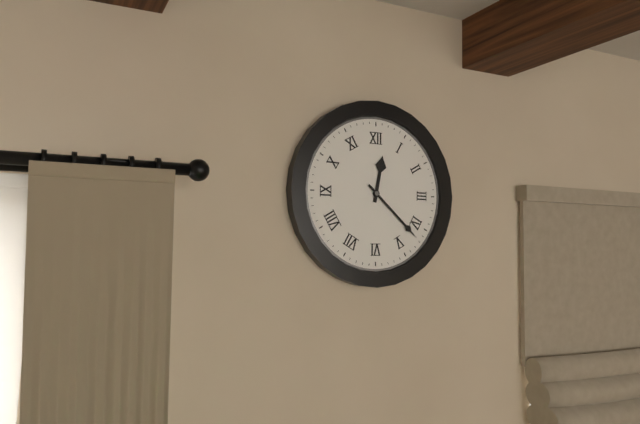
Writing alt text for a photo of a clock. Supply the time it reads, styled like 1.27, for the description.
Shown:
12.22
